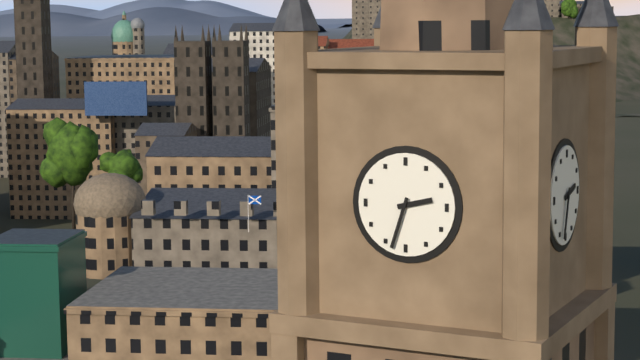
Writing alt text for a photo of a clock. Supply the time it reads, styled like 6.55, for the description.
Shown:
2.33
